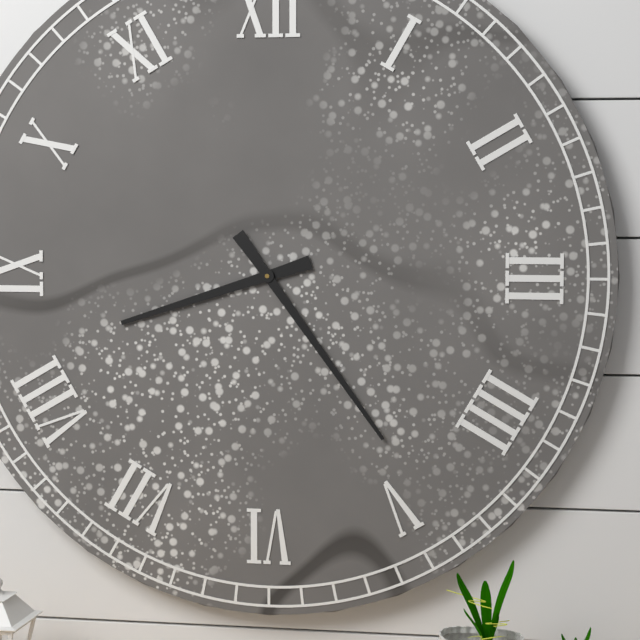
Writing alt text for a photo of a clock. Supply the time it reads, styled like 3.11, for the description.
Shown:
8.24
